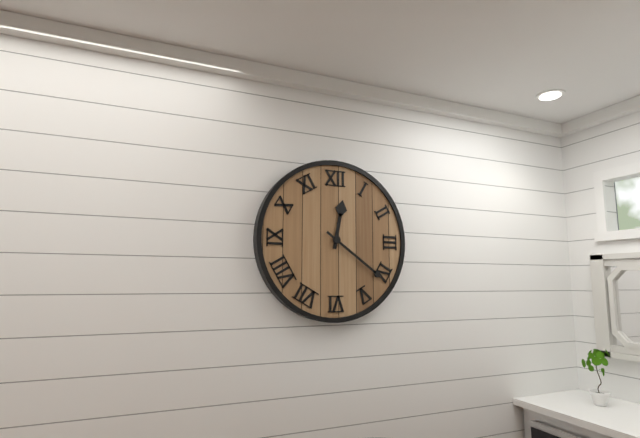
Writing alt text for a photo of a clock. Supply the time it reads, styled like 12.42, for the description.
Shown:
12.21
